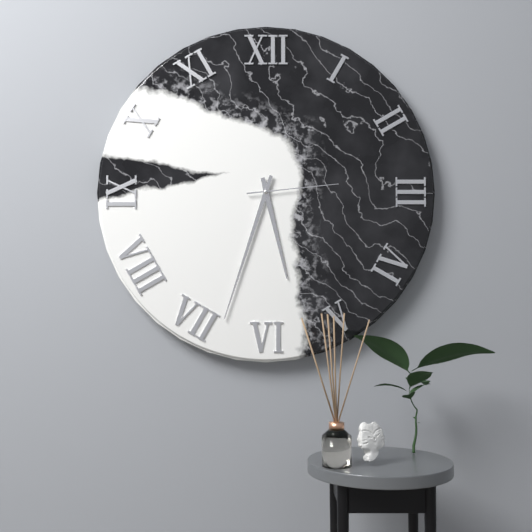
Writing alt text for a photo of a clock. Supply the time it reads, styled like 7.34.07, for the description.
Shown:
5.33.14
